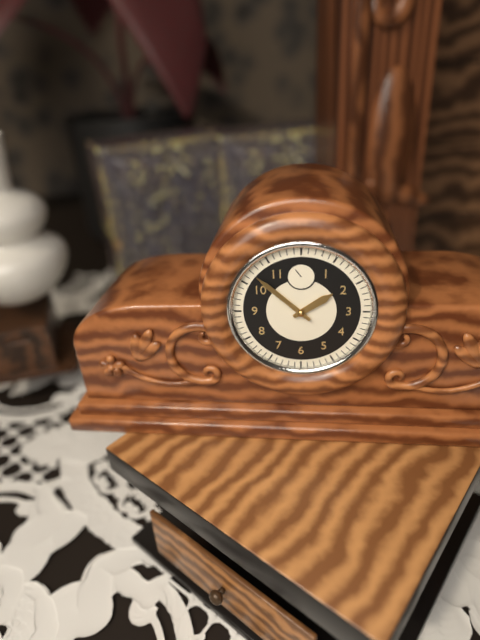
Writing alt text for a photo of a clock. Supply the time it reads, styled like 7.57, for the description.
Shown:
1.52
